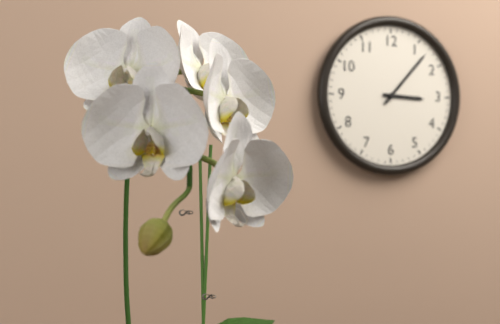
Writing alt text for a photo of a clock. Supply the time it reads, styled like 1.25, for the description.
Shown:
3.07
